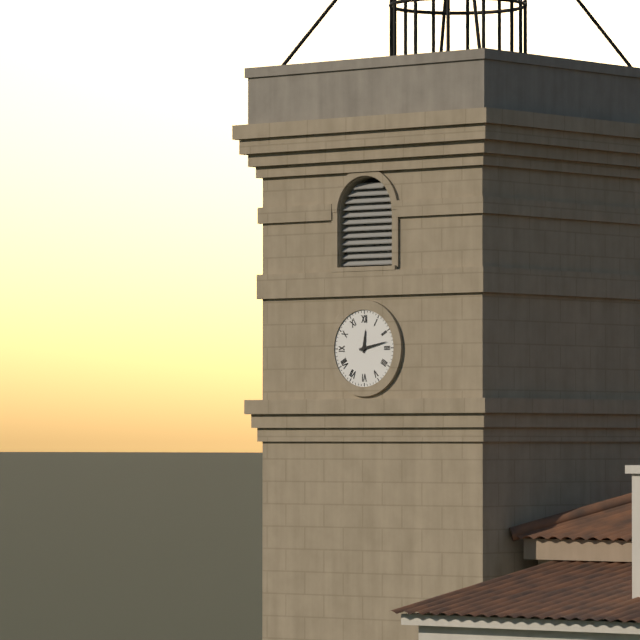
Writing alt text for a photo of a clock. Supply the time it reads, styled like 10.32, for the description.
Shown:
12.13
